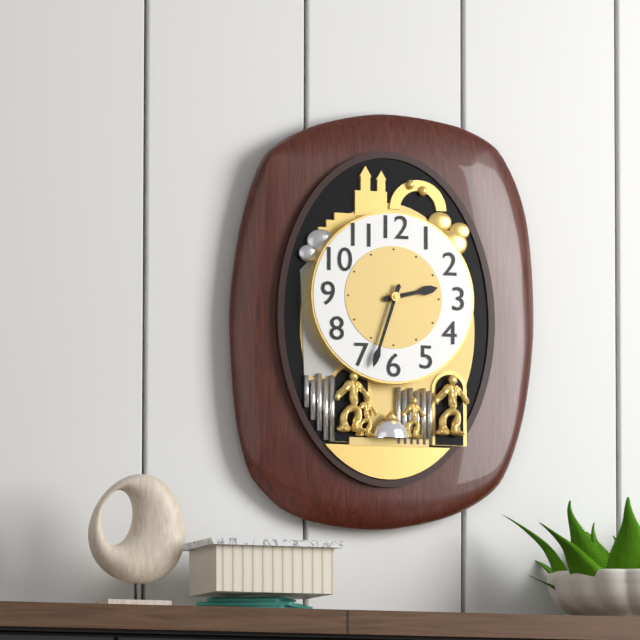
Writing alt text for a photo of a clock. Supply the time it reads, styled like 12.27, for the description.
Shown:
2.33
